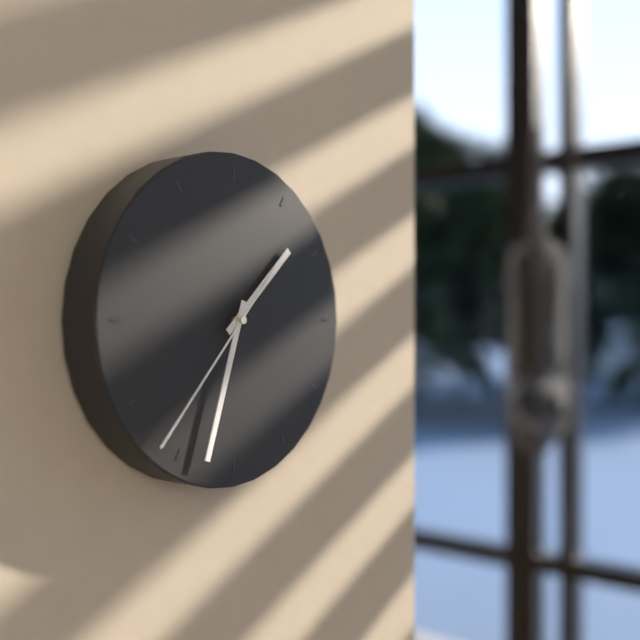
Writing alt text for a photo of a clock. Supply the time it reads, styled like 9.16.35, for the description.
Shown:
1.33.37
